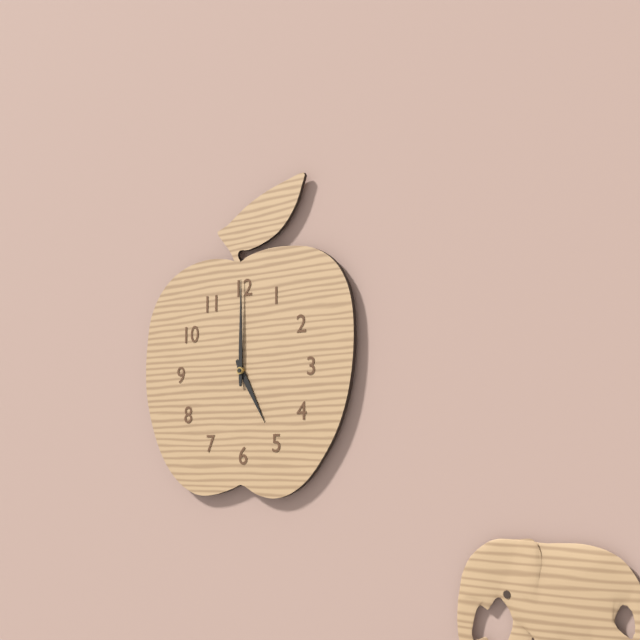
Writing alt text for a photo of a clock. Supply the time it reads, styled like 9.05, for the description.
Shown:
5.00
